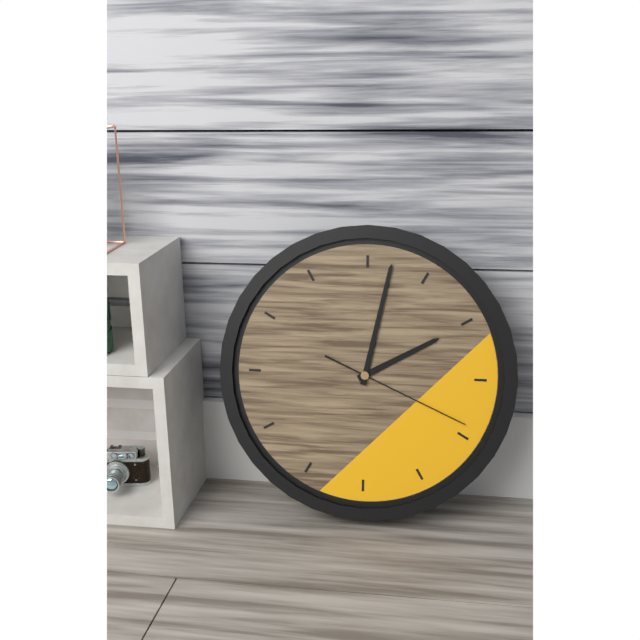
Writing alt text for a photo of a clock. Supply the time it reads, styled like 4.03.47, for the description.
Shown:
2.02.19
